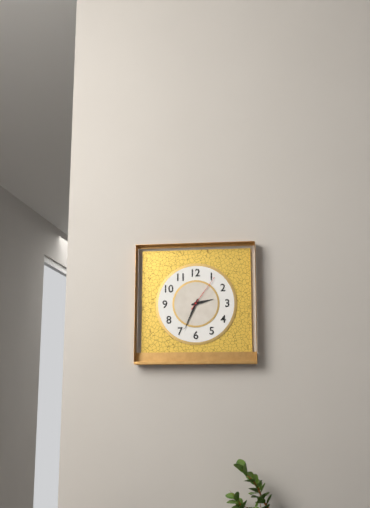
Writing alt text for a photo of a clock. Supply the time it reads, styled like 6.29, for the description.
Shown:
2.34
